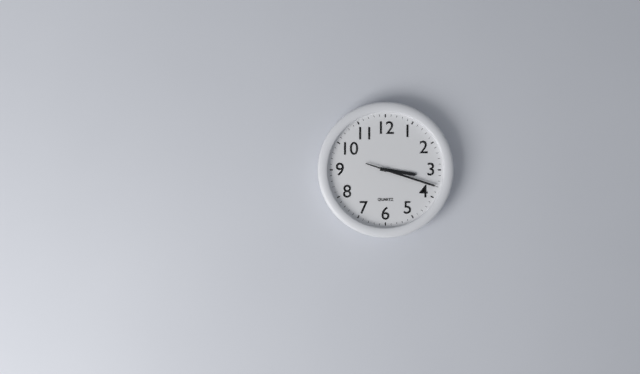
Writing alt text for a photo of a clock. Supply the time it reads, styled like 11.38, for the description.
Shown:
3.18
